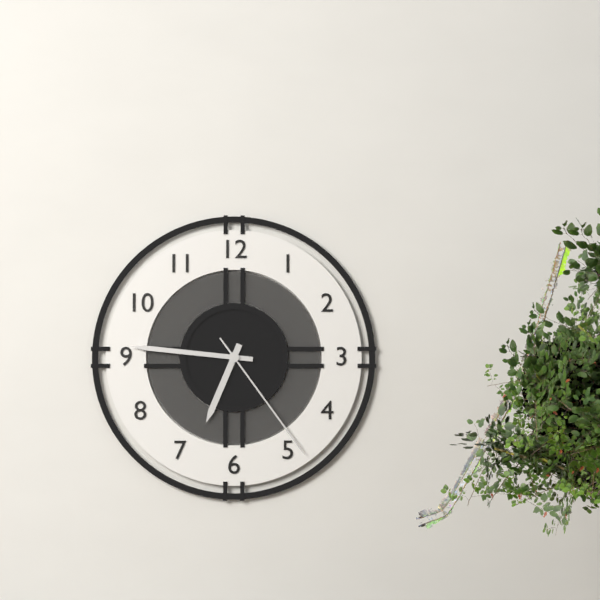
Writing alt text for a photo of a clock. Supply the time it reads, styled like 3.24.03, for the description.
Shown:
6.46.24
